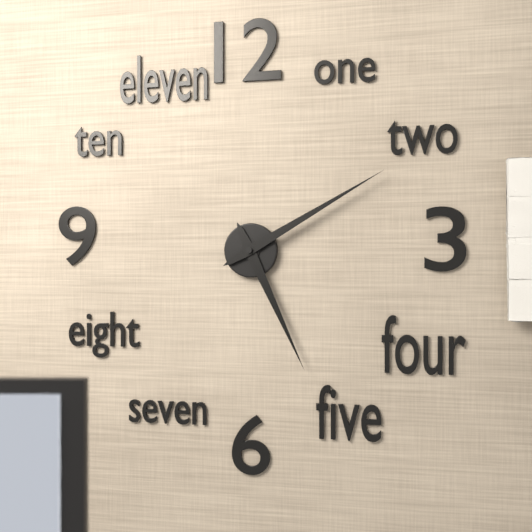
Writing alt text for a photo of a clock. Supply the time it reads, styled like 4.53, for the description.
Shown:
5.10
